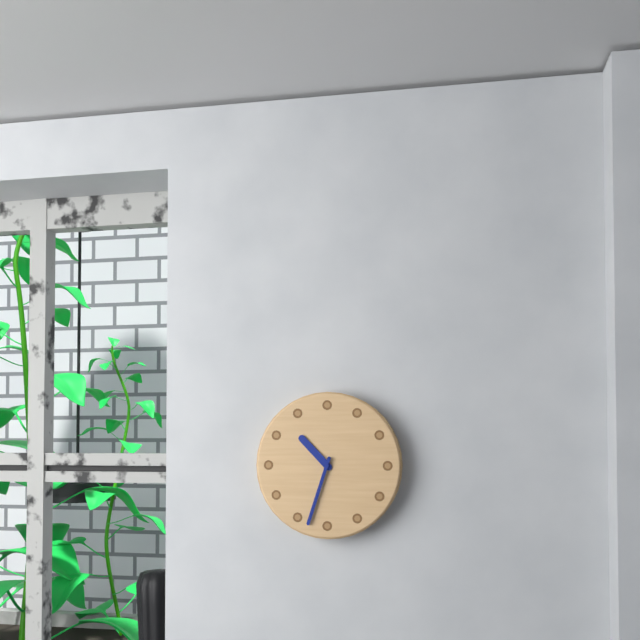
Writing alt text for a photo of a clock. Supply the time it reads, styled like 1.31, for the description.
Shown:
10.33
